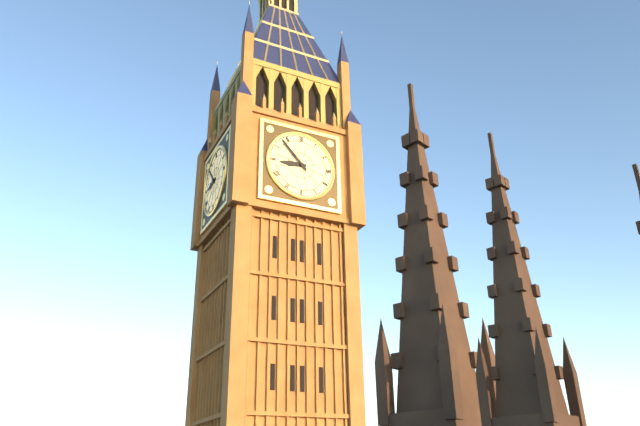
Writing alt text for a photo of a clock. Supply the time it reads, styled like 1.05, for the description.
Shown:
8.53
